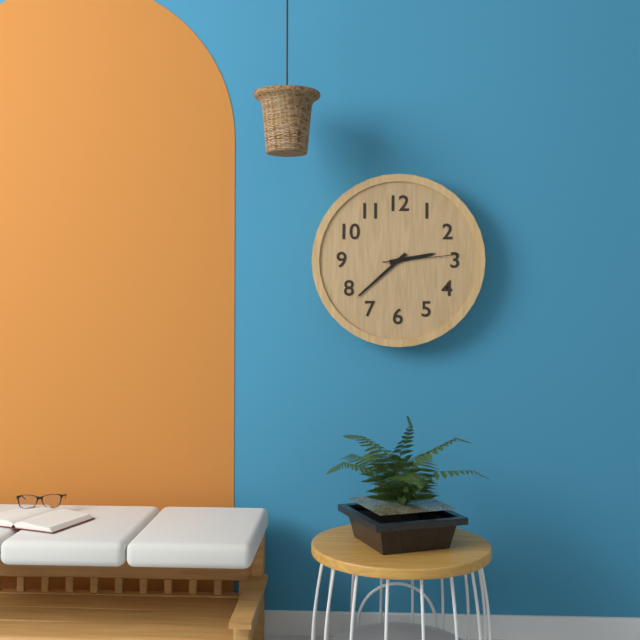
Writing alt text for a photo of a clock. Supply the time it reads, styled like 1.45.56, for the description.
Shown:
2.38.14
